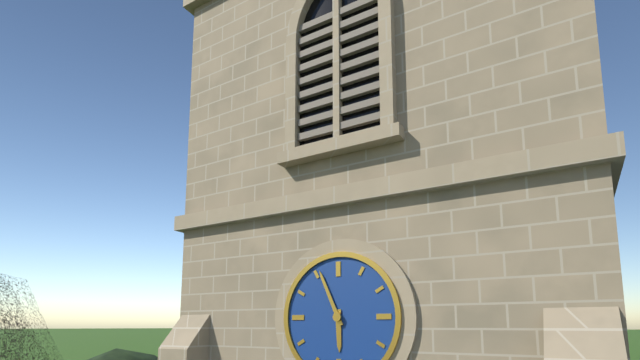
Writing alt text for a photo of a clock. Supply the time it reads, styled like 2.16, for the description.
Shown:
5.56
